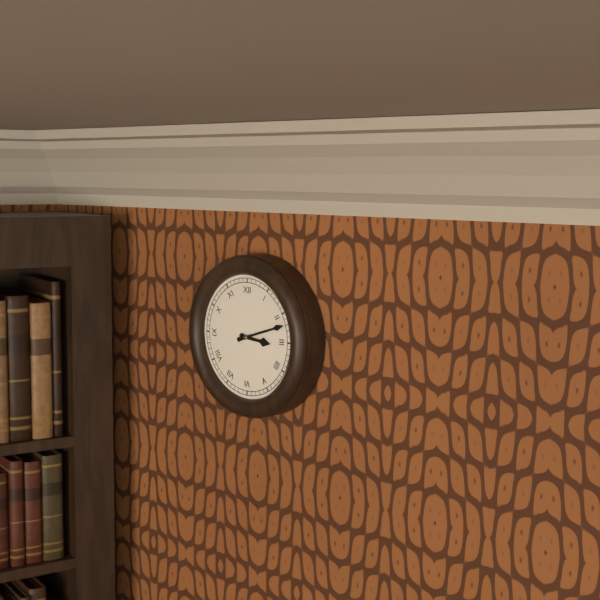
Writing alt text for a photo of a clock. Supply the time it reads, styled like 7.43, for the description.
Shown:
3.12
